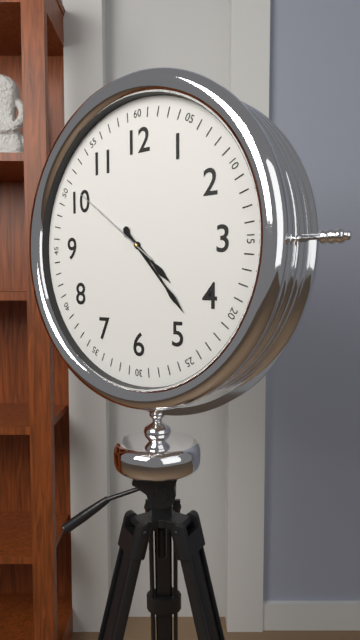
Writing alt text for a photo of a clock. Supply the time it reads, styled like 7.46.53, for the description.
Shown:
4.23.51
